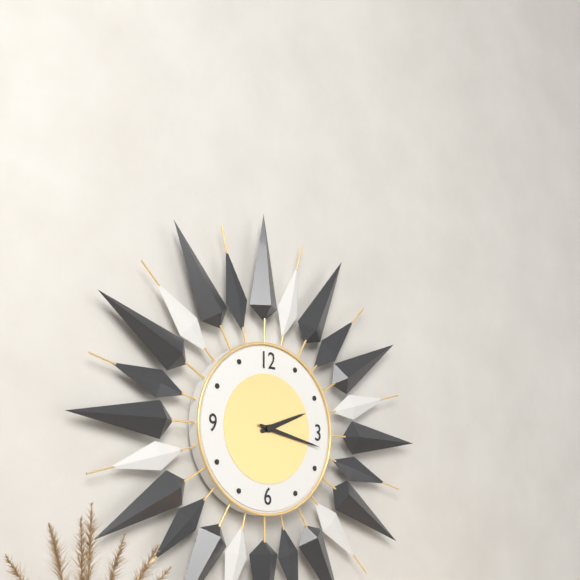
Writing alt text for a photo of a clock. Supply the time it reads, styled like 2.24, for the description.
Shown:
2.17
